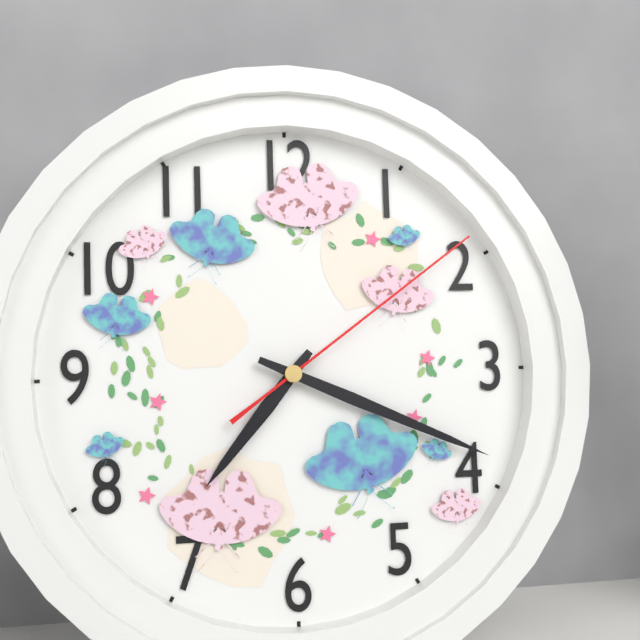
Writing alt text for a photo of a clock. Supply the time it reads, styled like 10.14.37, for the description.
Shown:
7.19.09
